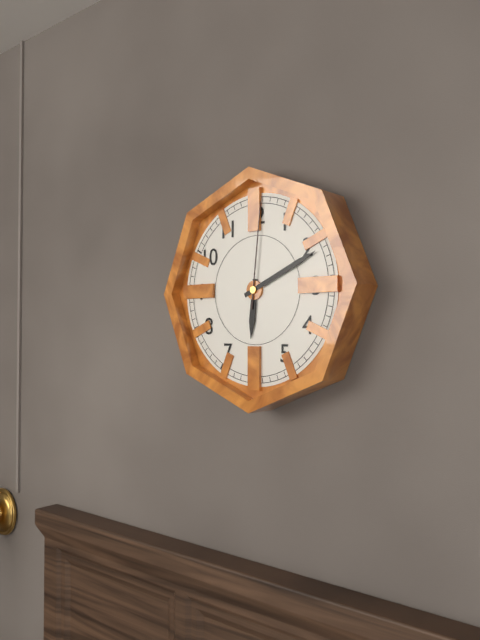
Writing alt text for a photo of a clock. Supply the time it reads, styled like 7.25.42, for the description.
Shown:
6.11.01
